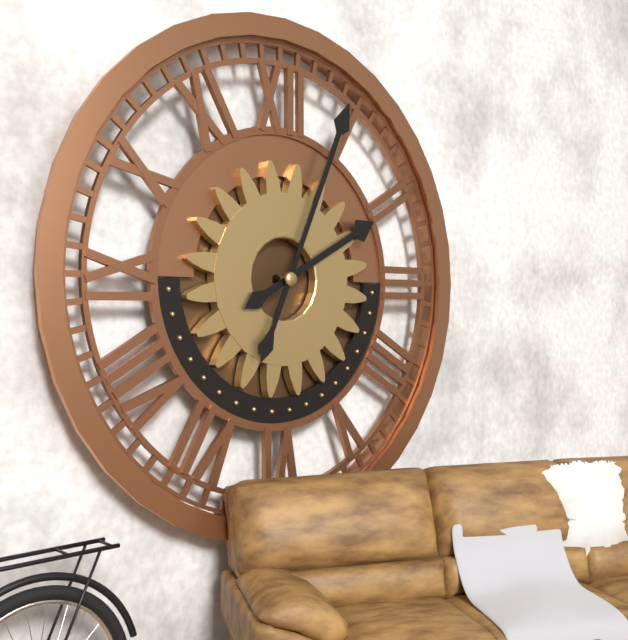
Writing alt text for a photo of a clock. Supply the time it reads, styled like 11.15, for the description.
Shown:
2.04
